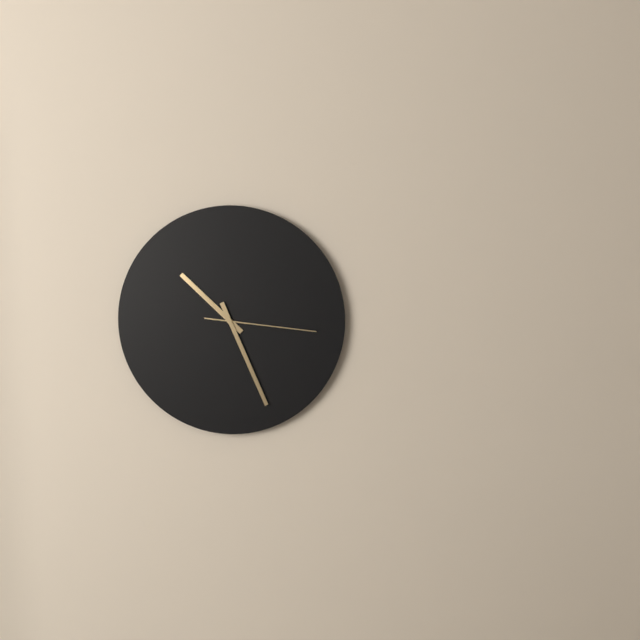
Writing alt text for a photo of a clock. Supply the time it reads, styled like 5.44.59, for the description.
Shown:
10.26.16
